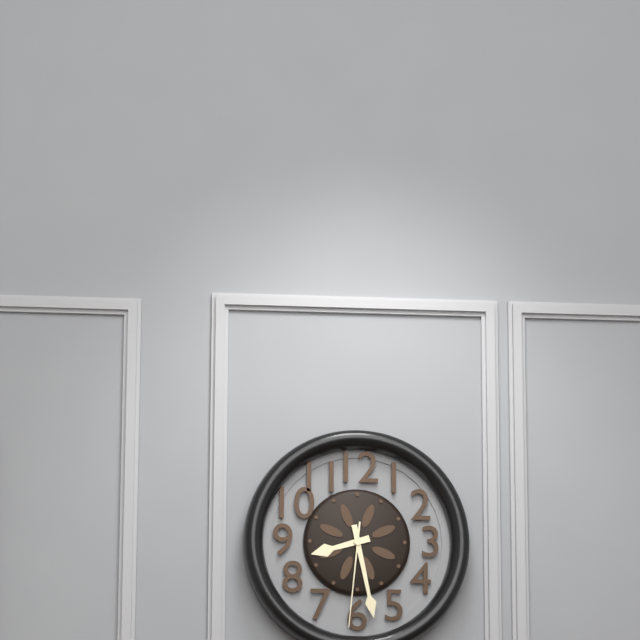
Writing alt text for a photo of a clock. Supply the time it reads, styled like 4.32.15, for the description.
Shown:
8.28.31
